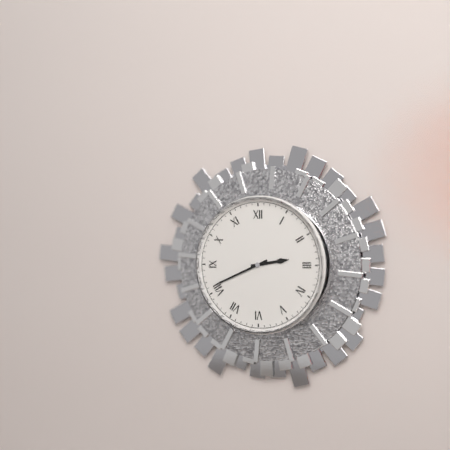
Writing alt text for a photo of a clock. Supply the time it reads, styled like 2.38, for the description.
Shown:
2.41
